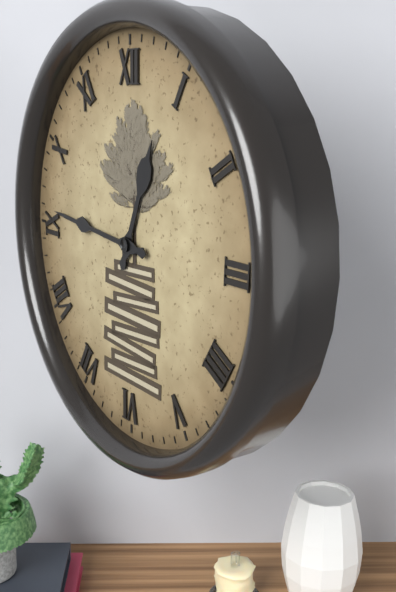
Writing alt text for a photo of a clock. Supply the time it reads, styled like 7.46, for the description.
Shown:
12.46
